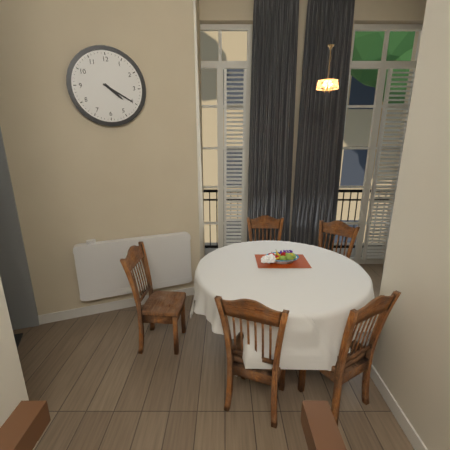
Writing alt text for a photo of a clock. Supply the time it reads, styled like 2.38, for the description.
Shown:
4.20
